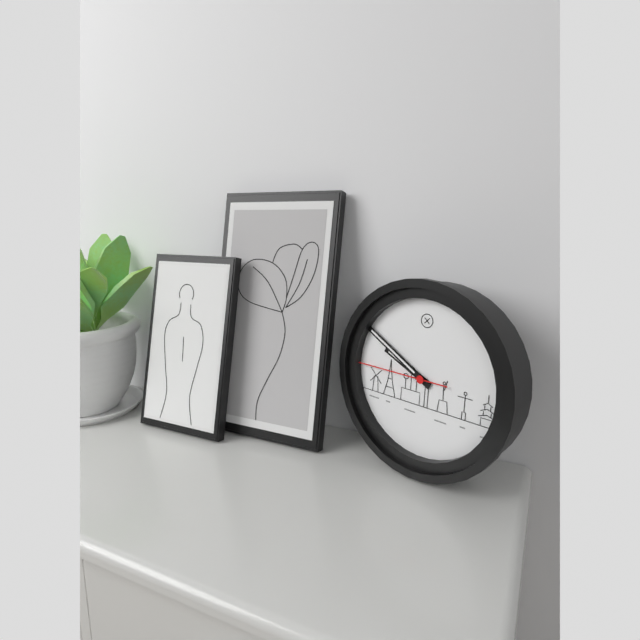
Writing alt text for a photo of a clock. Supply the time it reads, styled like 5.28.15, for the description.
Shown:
9.50.45
